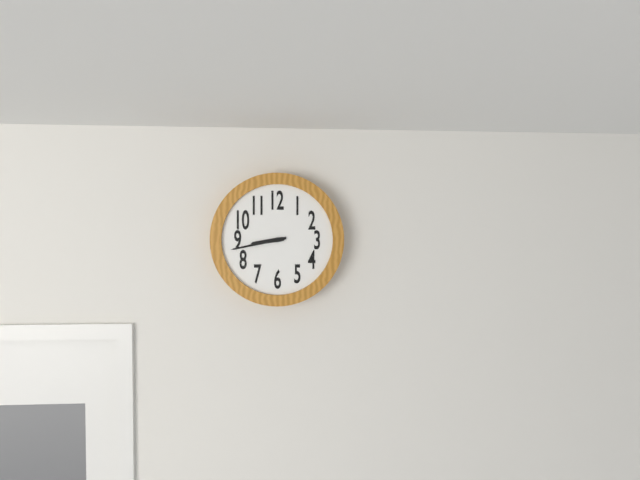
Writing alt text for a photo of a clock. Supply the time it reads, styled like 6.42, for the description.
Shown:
8.43
